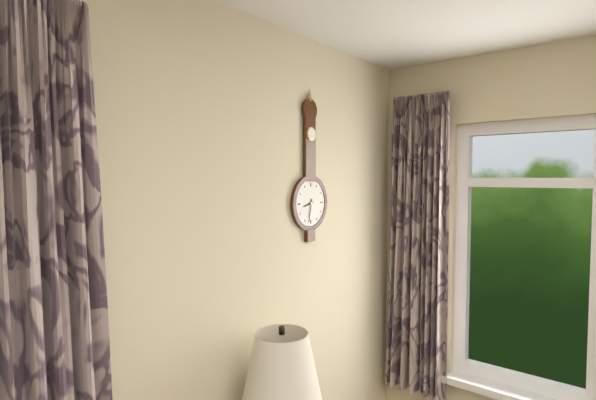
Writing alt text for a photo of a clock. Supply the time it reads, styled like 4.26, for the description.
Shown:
8.32
